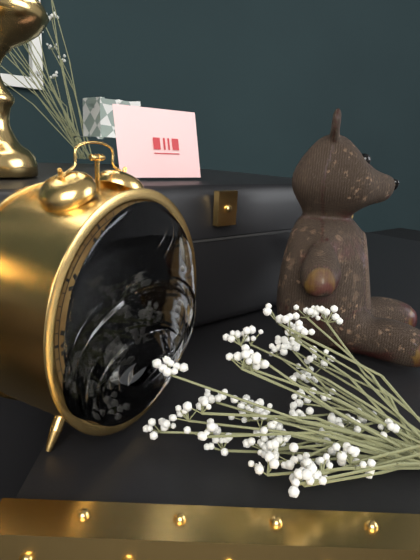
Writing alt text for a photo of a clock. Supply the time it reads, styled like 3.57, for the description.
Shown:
11.27
